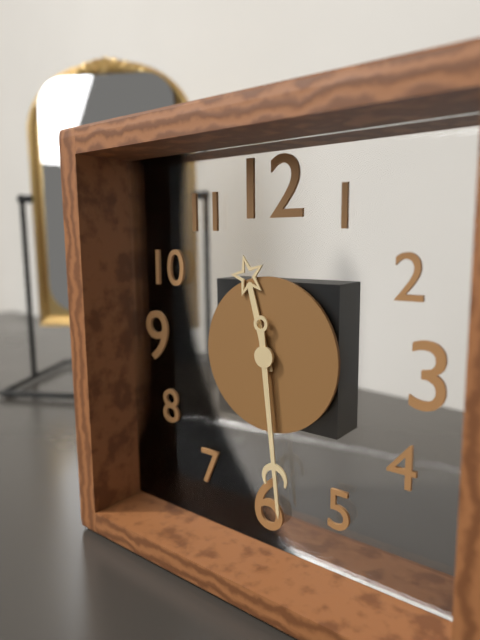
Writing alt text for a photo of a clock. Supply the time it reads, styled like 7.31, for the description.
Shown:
11.29
